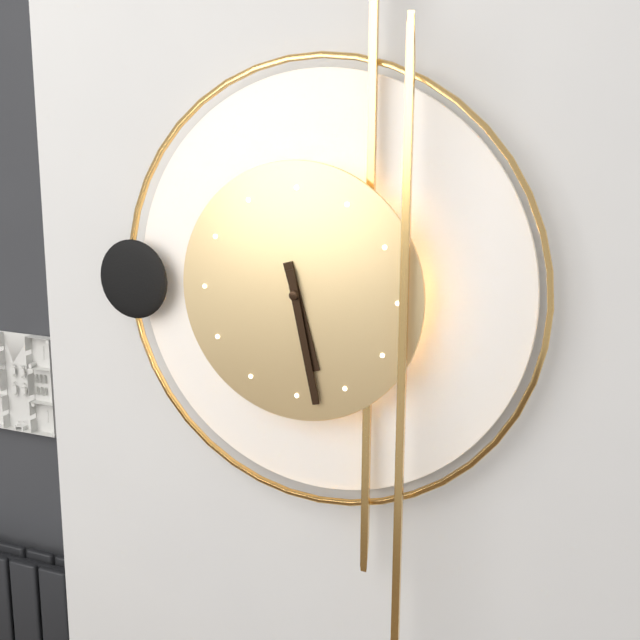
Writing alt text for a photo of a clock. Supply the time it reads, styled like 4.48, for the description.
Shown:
5.28
